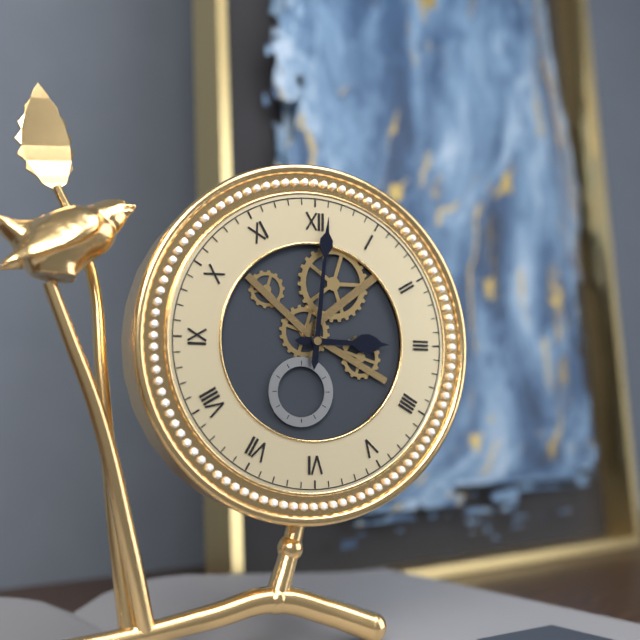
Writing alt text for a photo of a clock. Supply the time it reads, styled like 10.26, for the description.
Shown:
3.01
